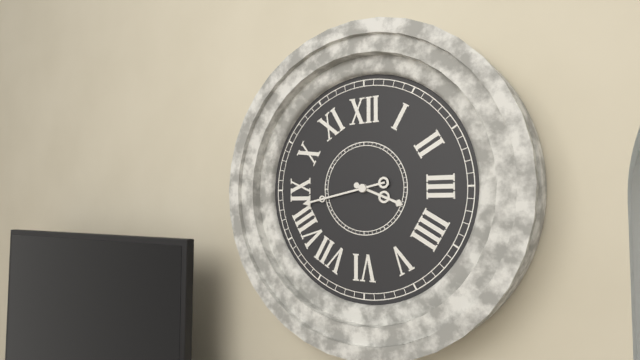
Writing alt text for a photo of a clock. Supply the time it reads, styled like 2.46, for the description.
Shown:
3.43
